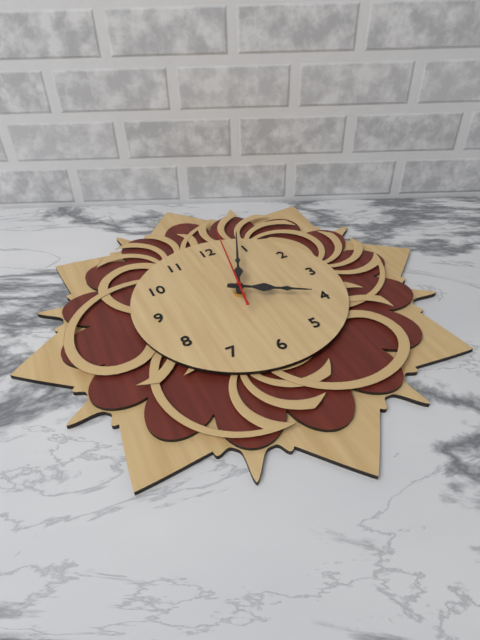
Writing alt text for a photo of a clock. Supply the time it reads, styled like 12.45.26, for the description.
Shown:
4.04.02
